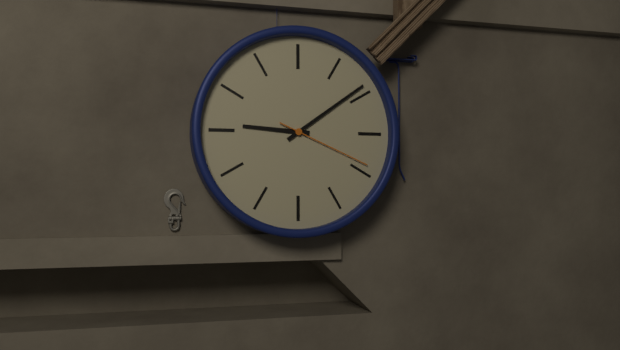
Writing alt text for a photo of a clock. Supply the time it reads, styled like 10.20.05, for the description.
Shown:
9.09.19
